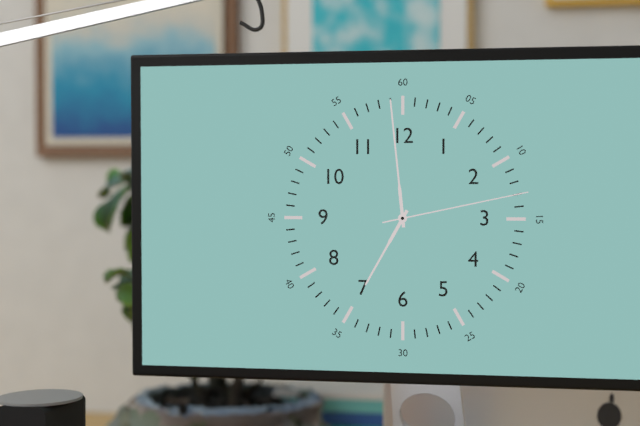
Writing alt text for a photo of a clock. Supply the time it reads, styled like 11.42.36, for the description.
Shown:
6.59.13
